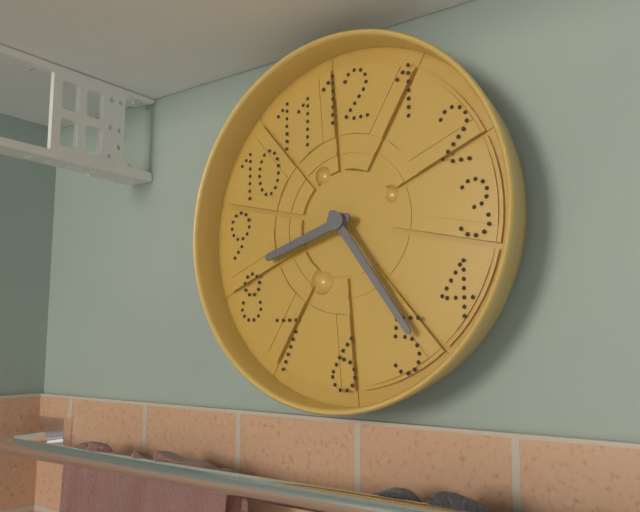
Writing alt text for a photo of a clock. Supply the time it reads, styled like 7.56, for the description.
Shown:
8.24
